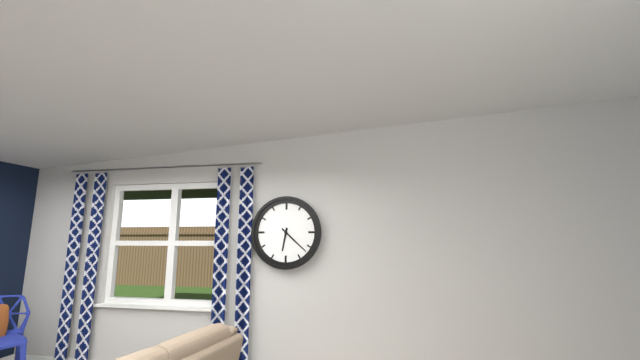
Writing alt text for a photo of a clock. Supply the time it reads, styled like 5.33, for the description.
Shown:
6.22
